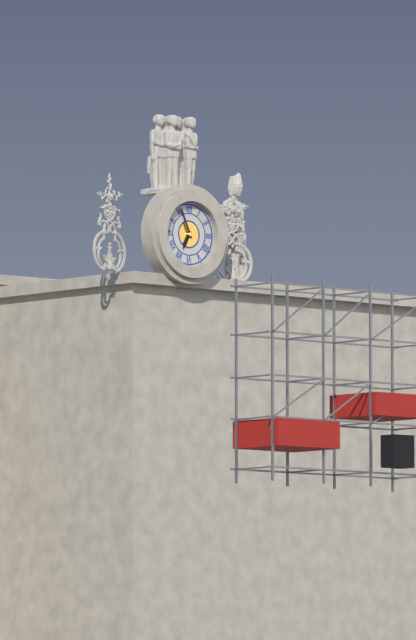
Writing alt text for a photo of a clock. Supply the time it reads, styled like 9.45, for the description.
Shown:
6.56
